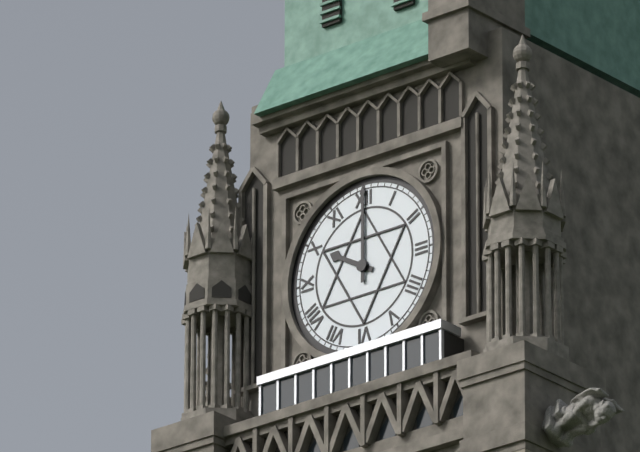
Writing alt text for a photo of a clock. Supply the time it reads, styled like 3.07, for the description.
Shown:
10.00
